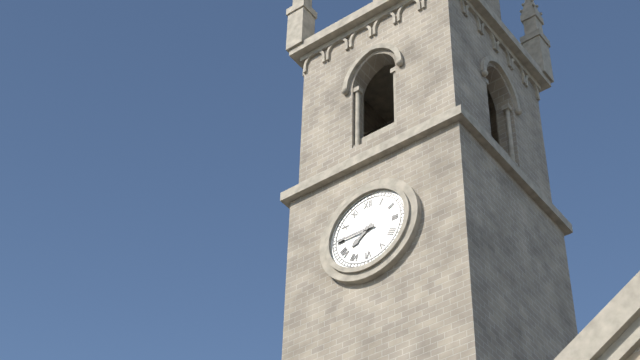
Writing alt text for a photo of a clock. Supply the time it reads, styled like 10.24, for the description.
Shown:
7.45
